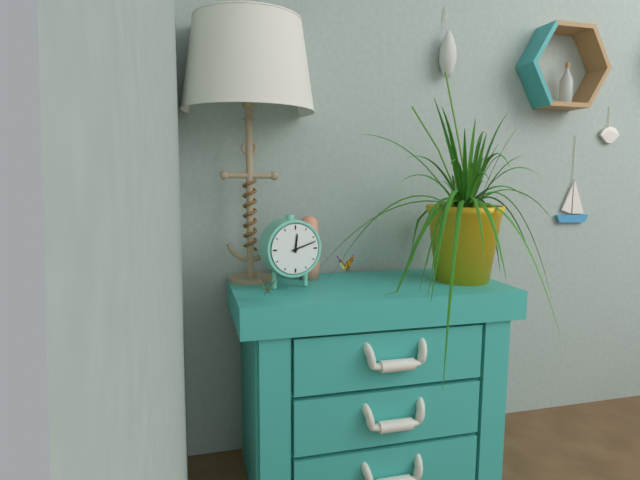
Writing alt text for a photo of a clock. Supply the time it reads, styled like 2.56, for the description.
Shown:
12.12
